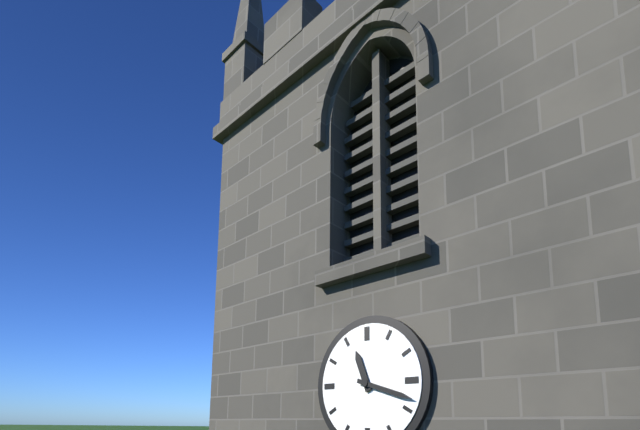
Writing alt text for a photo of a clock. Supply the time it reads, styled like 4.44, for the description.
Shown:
11.18
